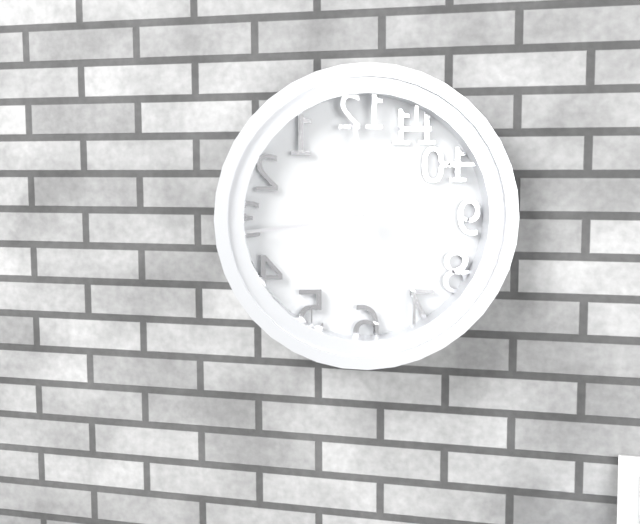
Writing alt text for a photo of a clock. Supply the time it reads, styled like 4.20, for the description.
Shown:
11.44
